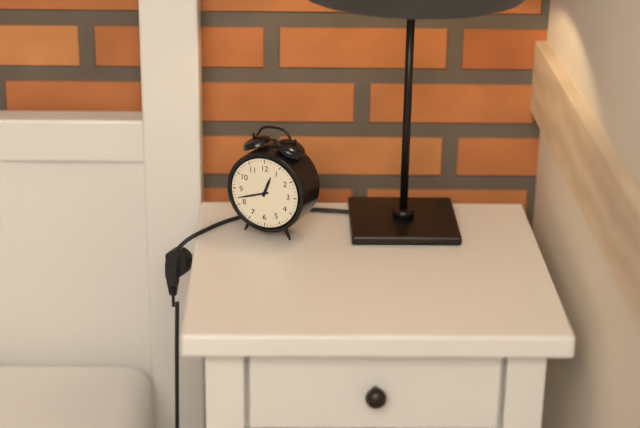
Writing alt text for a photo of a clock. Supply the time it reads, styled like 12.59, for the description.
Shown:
12.42
